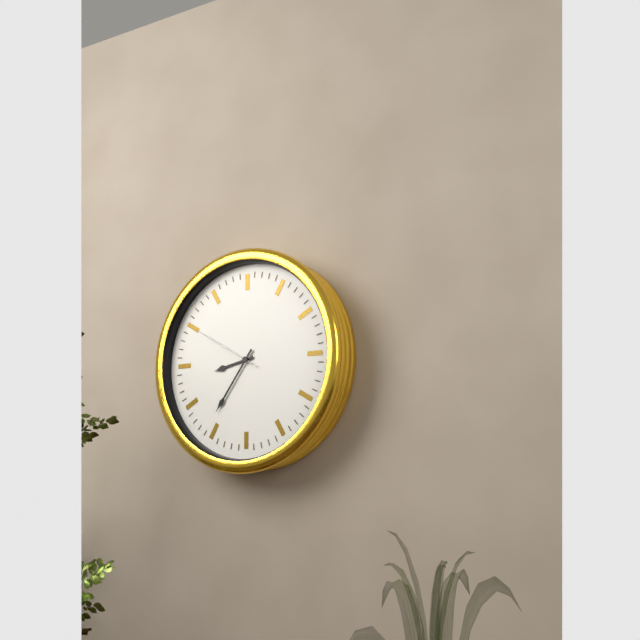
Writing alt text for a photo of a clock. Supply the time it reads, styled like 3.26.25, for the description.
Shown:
8.36.50
